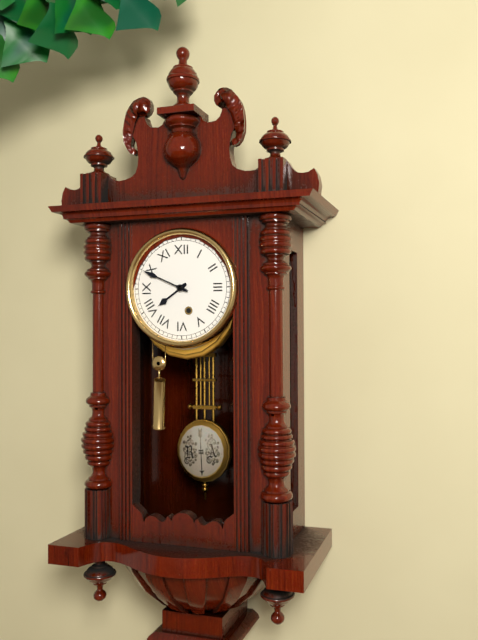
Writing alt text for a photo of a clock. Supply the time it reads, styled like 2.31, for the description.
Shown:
7.49
